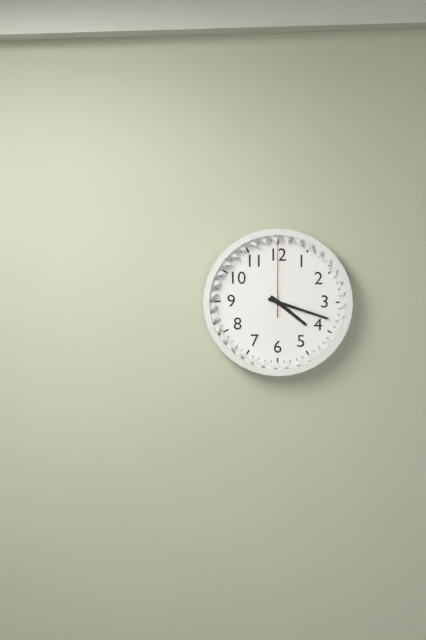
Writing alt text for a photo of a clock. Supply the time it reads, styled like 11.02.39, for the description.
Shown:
4.18.00
